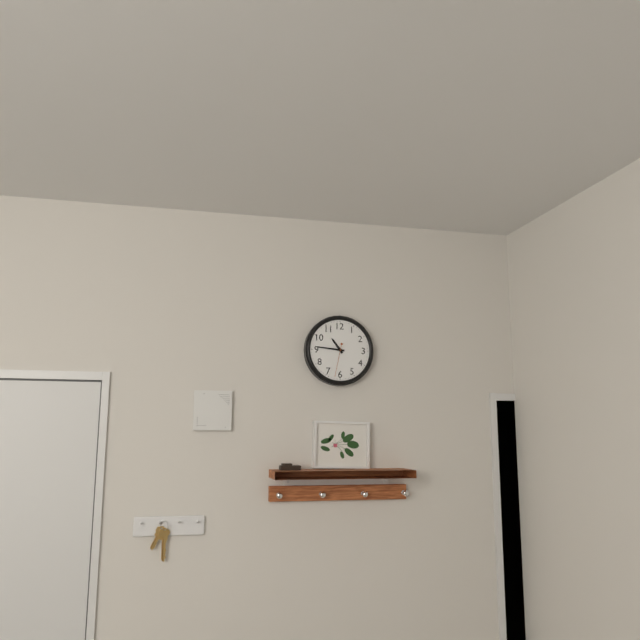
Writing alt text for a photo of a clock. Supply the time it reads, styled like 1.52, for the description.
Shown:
10.46
